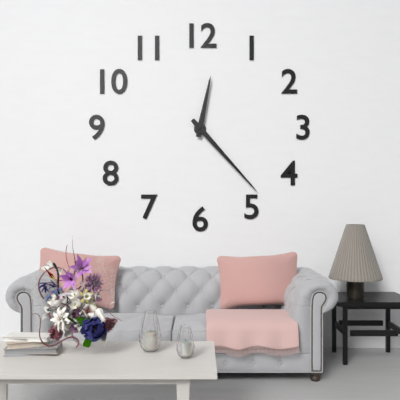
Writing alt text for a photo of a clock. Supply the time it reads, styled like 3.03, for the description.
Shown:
12.23
